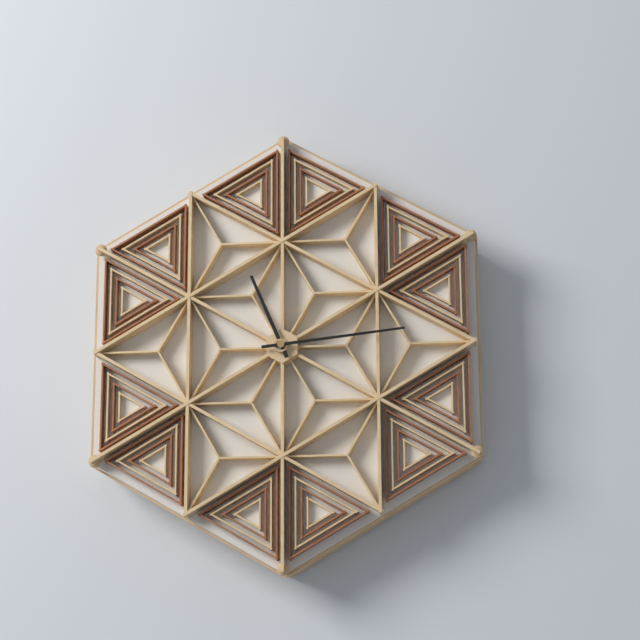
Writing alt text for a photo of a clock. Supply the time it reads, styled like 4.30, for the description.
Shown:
11.14
